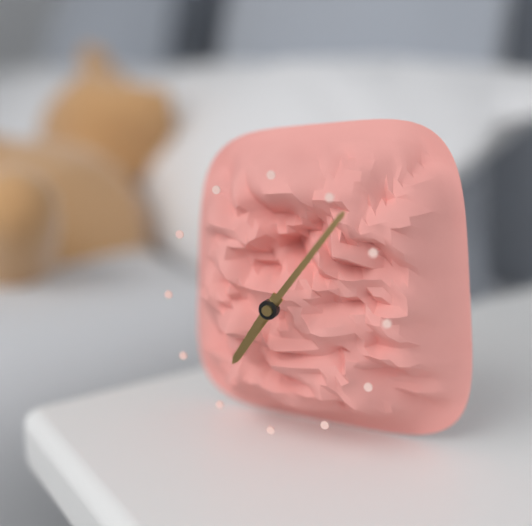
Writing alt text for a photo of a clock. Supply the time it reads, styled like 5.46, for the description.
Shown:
7.06
